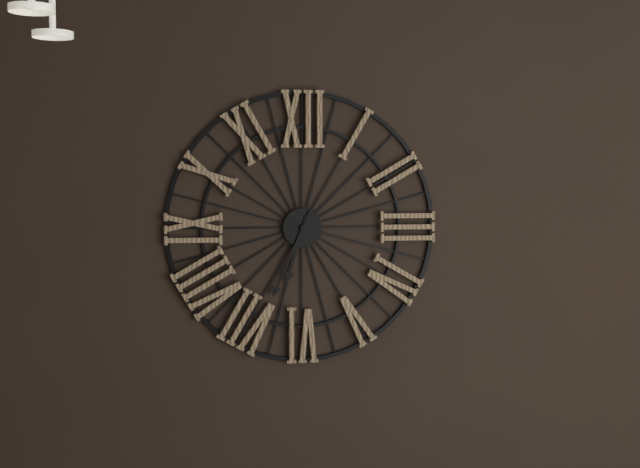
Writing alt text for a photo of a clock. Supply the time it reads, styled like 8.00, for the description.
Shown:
6.34
